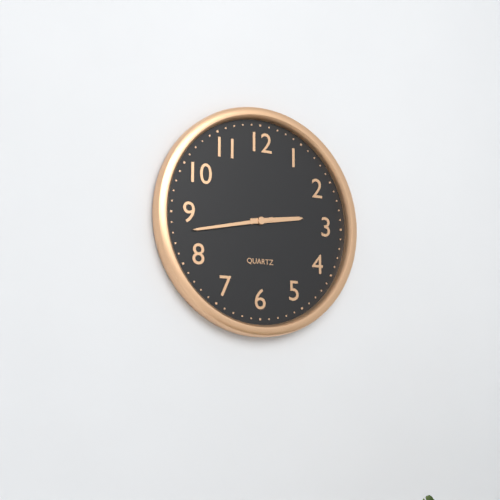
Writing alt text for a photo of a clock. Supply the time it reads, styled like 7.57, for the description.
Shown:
2.43
